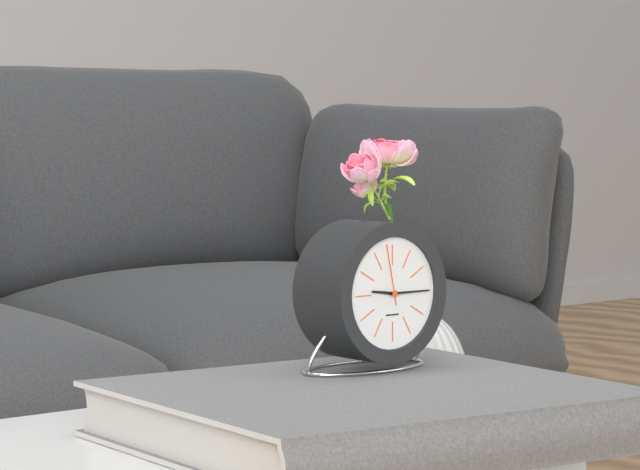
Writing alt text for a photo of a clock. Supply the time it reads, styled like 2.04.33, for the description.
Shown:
9.15.58
